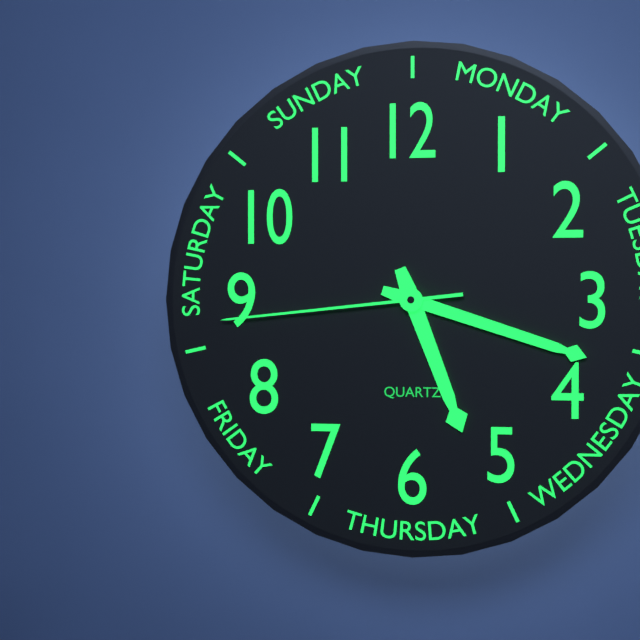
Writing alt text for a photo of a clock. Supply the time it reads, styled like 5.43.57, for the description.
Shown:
5.18.44
